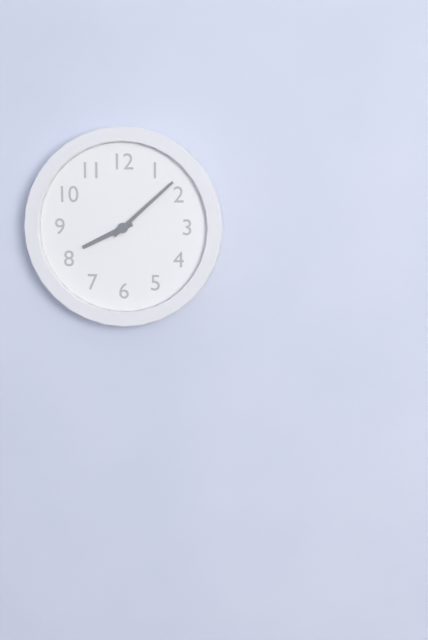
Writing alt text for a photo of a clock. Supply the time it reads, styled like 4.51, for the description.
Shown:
8.08
